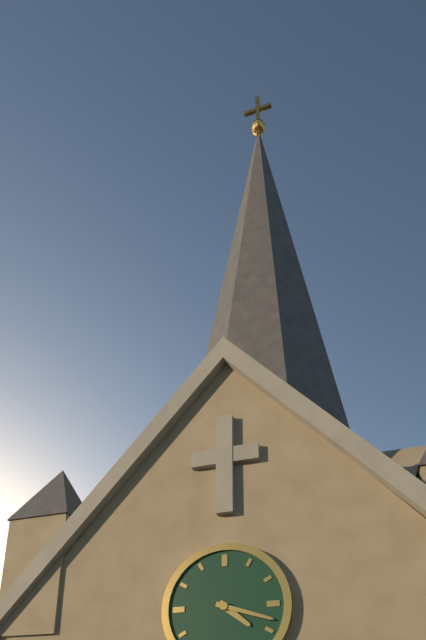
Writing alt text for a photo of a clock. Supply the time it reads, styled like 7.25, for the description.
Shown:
4.18
